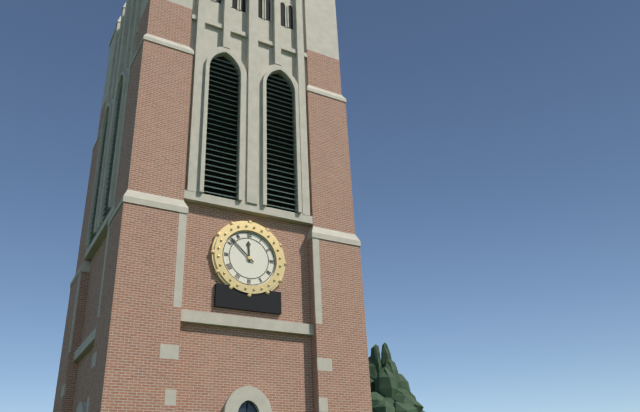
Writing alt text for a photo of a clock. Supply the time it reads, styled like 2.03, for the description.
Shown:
11.52
